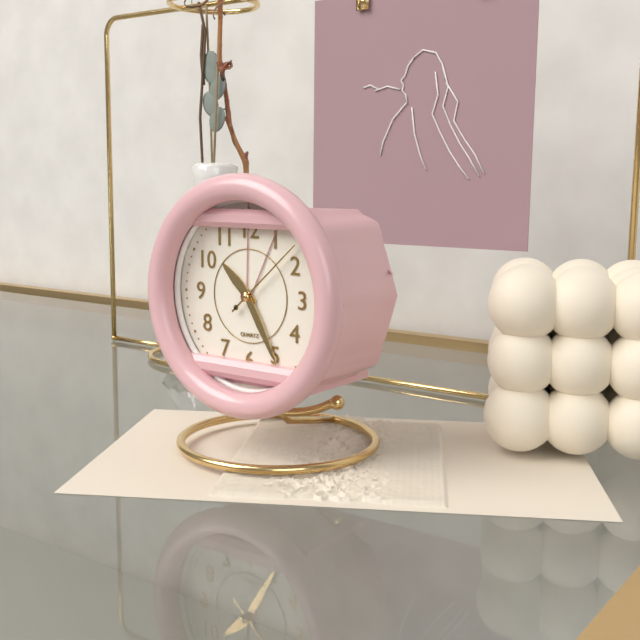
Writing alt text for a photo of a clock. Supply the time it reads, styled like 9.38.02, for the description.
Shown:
10.25.08
